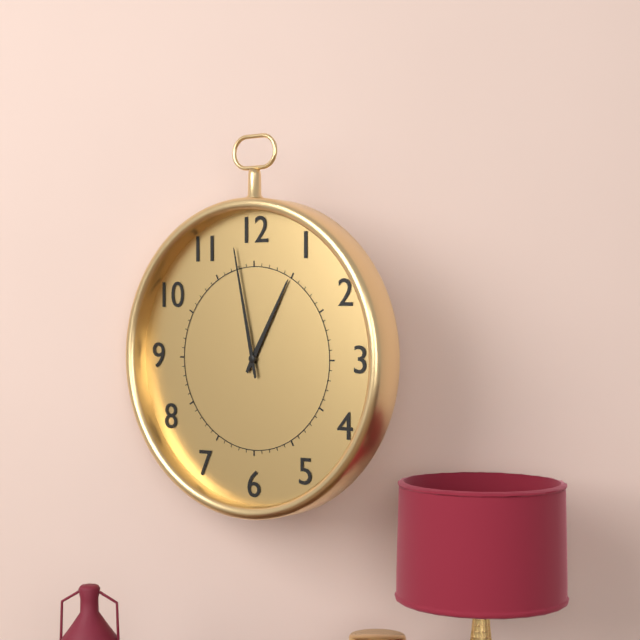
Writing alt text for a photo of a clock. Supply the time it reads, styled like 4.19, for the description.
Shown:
12.58
